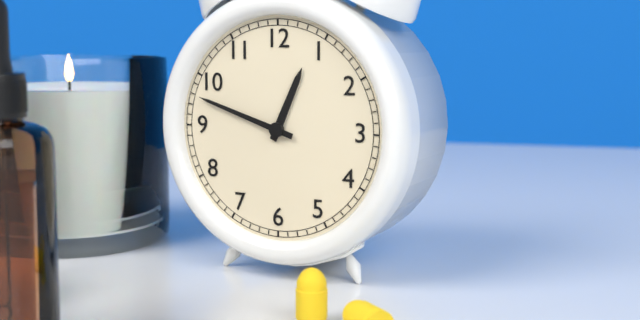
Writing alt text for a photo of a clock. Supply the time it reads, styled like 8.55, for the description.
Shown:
12.48
